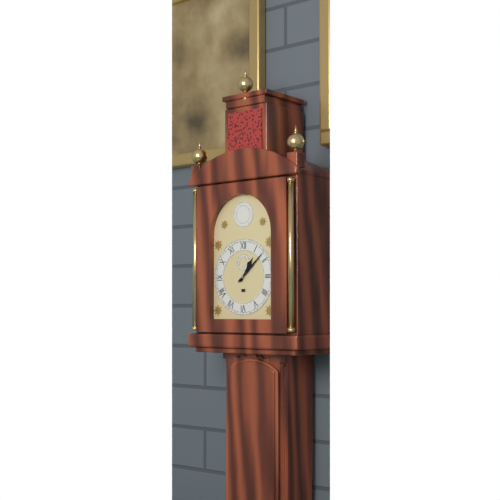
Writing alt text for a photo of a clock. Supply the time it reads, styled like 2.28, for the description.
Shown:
1.08
